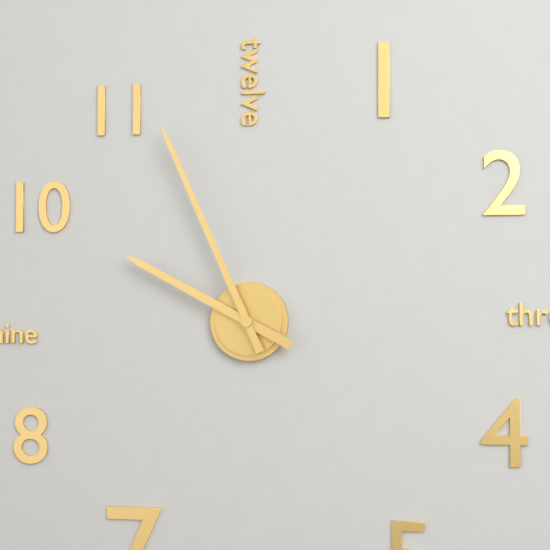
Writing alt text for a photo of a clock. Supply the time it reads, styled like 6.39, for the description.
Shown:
9.56
